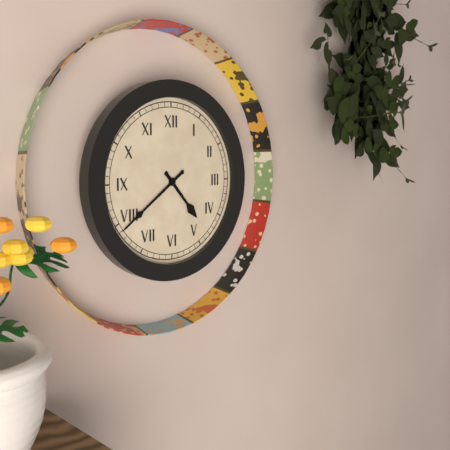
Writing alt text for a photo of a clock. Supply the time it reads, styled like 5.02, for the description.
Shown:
4.39
